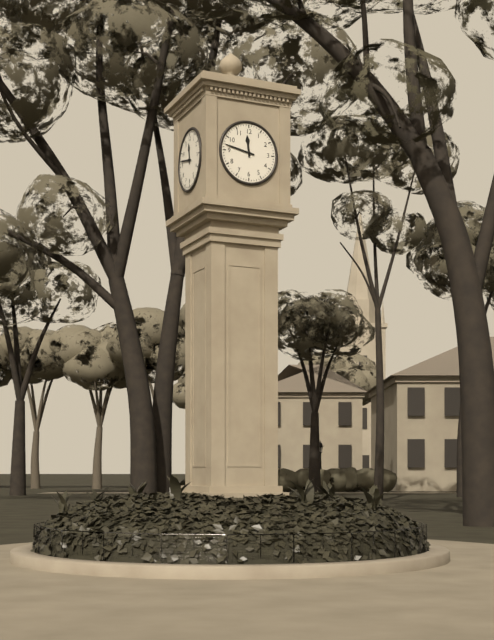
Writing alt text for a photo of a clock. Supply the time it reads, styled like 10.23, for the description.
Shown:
11.47
